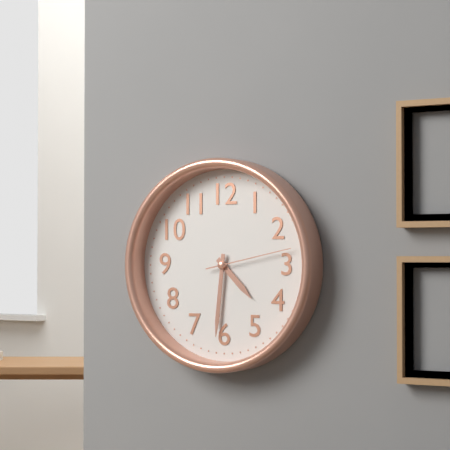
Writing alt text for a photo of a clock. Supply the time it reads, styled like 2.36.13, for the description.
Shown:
4.31.13
